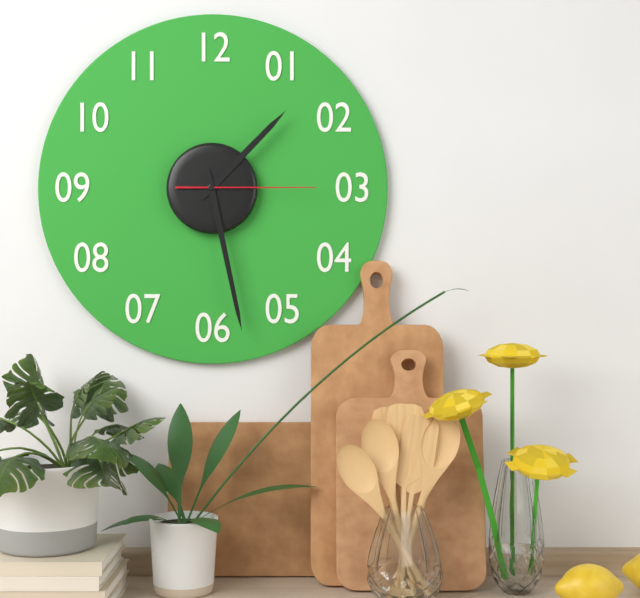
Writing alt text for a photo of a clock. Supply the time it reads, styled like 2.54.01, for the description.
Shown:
1.28.15
